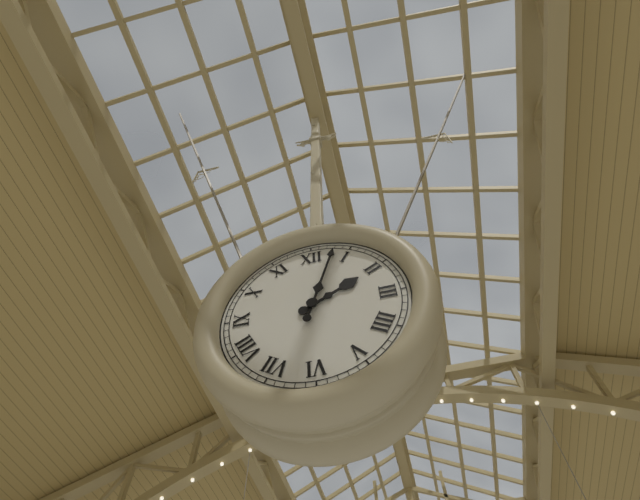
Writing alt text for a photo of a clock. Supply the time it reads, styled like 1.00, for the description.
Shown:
2.03
